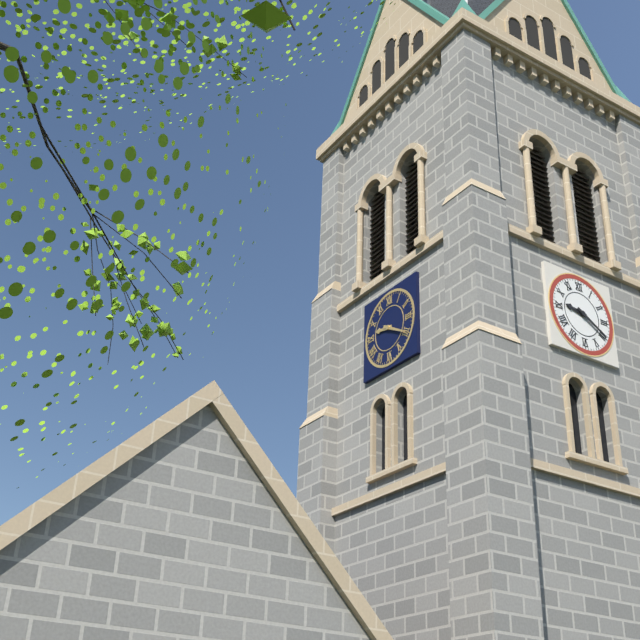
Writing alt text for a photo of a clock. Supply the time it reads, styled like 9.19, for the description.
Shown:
9.20
